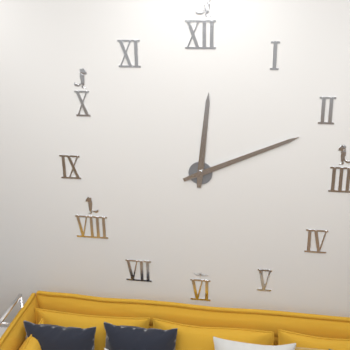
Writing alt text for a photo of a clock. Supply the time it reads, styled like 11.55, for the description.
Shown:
12.11
